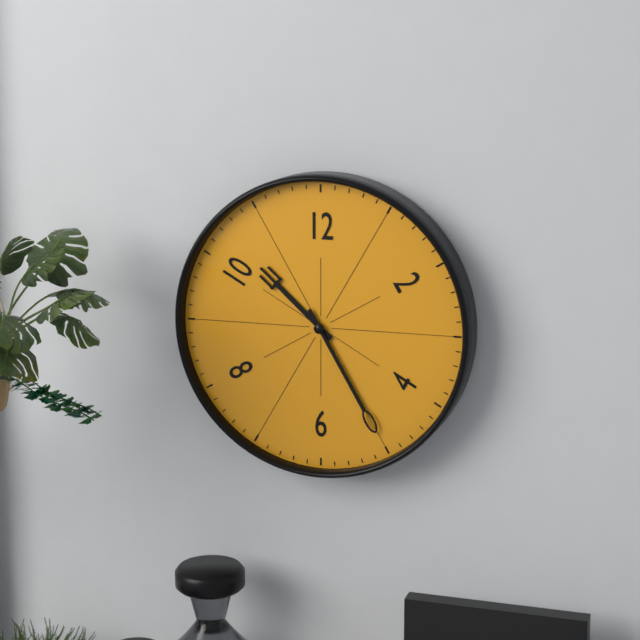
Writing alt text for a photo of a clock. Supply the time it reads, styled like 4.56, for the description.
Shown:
10.25
